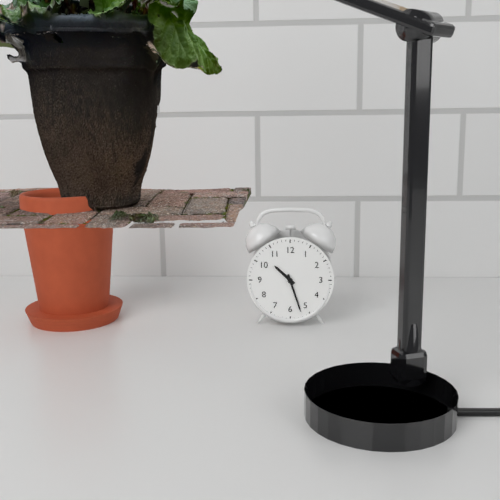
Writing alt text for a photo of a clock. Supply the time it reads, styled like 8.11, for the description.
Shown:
10.27
